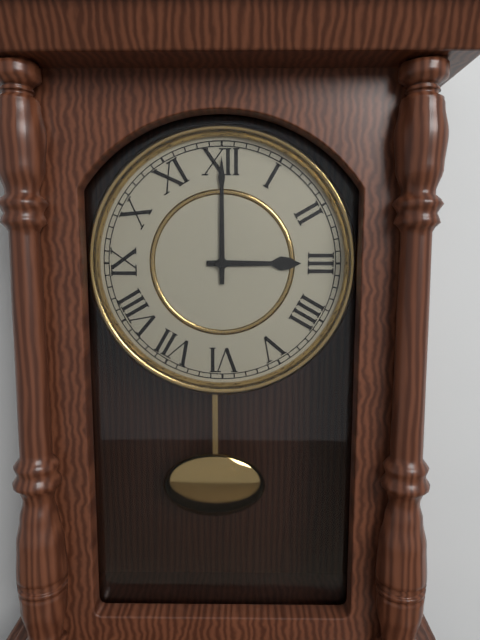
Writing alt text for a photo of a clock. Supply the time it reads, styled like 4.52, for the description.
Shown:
3.00
